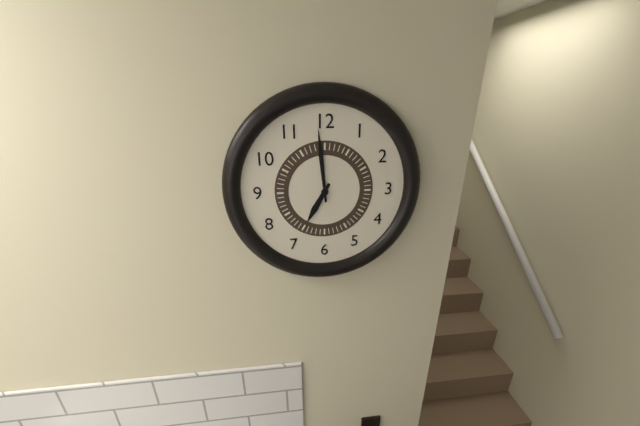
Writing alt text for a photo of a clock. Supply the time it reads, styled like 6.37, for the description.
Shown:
6.59
